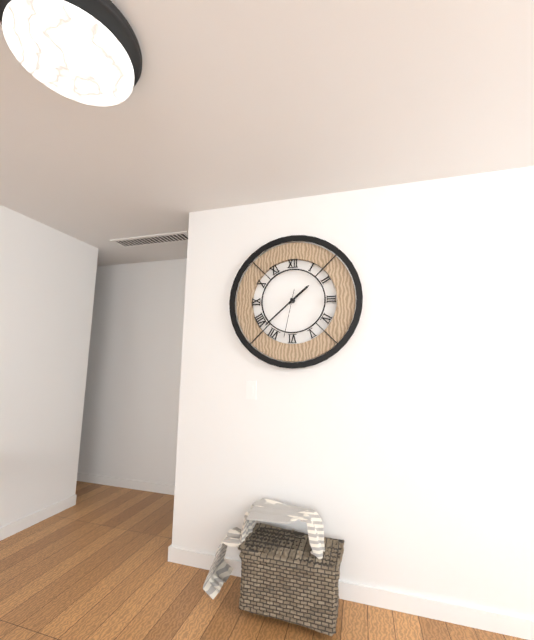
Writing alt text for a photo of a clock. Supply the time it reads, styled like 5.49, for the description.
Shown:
1.38
